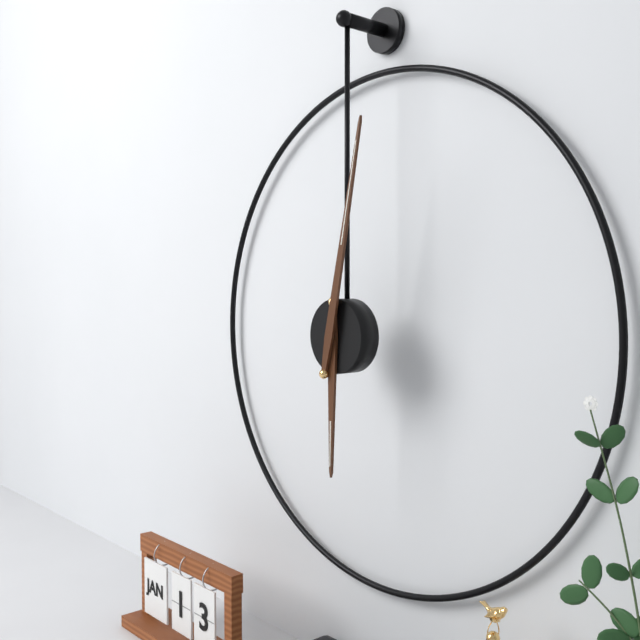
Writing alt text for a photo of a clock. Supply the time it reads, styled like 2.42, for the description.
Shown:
6.02
